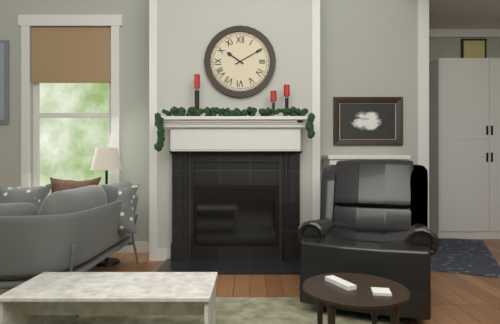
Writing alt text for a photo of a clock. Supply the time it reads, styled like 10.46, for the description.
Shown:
10.10
